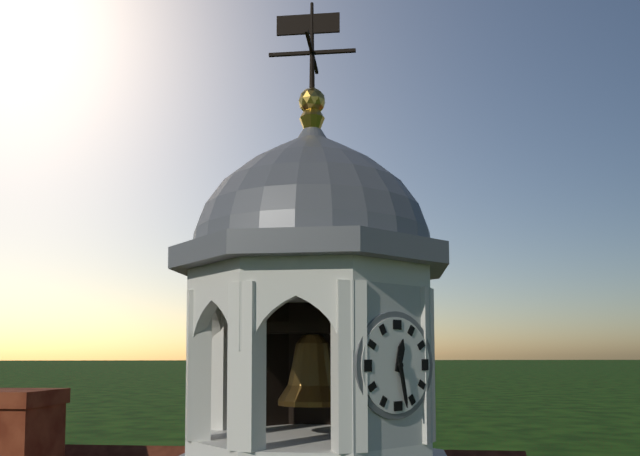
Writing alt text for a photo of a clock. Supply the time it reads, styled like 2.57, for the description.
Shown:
12.28
